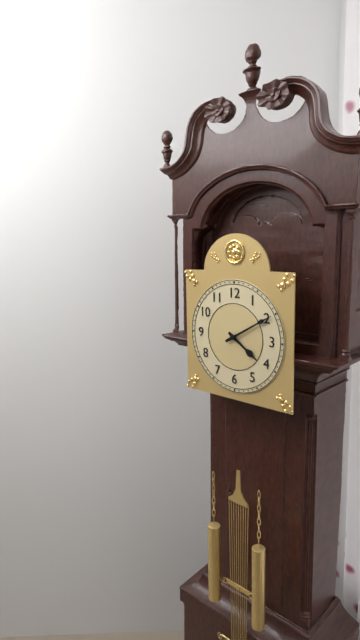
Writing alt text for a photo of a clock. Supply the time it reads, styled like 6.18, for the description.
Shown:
4.10
